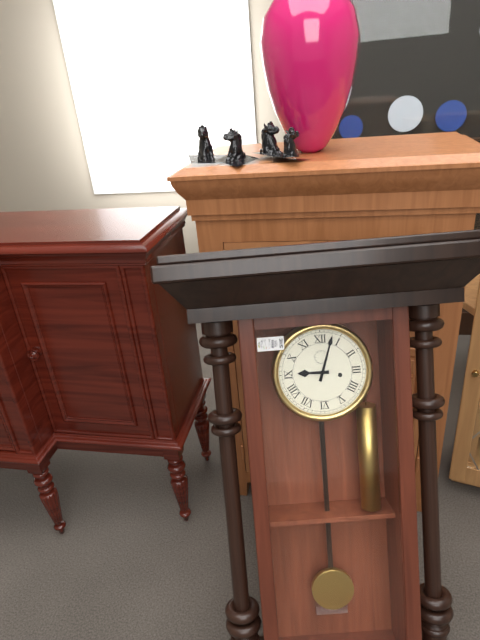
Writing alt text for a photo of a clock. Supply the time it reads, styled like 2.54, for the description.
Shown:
9.03
